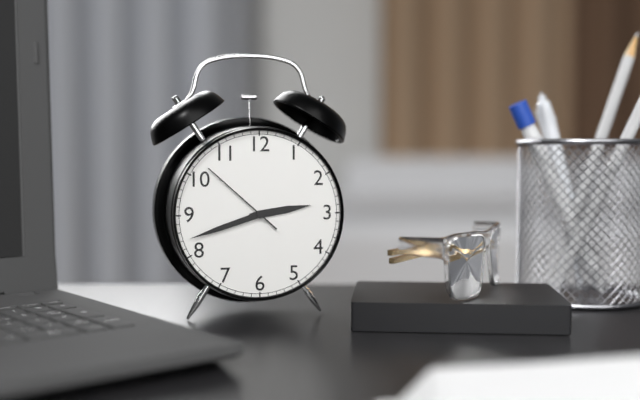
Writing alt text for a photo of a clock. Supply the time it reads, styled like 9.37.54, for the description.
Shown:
2.42.52
